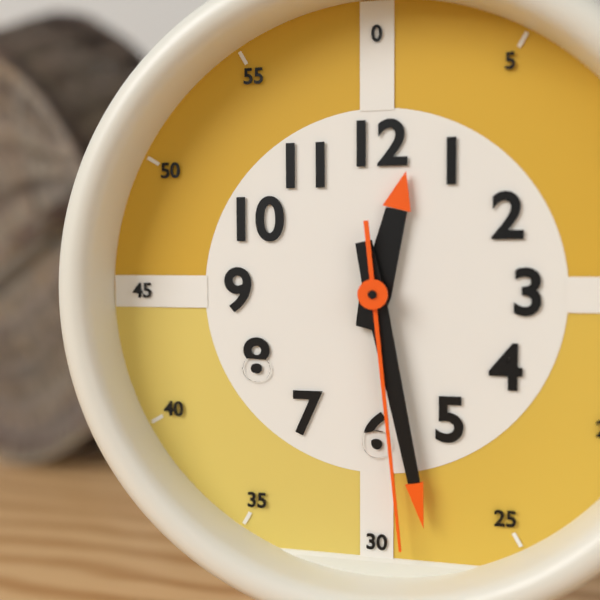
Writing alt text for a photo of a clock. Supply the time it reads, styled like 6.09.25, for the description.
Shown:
12.28.29
